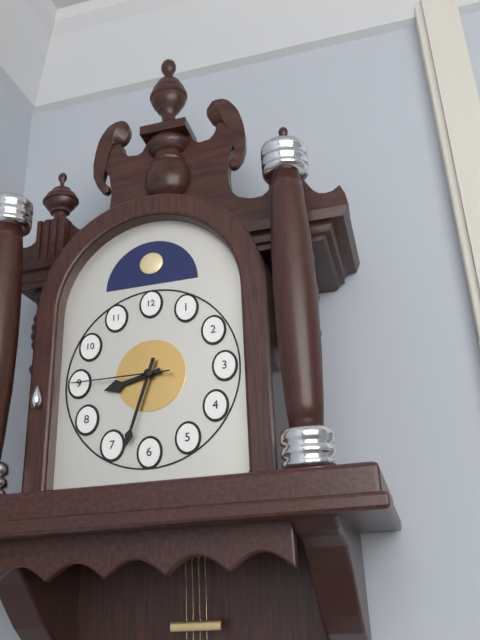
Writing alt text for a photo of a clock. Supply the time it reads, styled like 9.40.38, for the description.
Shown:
8.33.45
